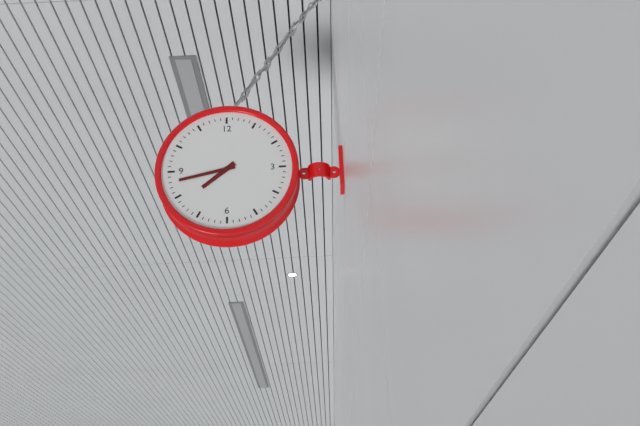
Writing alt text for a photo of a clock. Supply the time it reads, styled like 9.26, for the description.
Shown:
7.43
